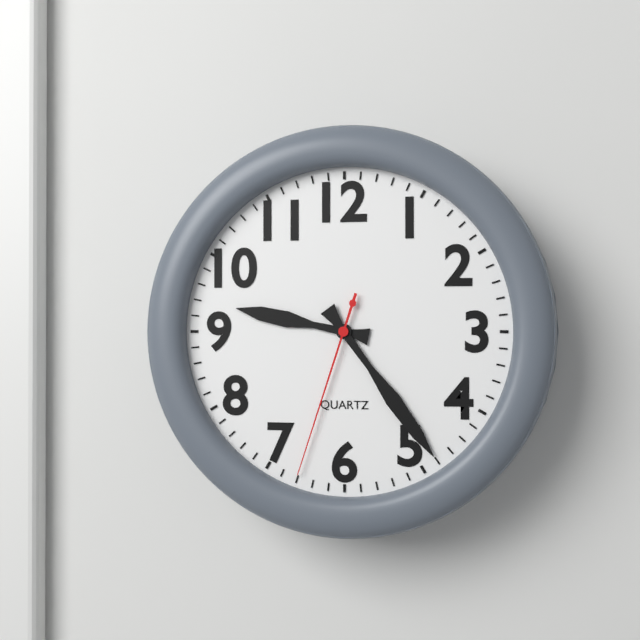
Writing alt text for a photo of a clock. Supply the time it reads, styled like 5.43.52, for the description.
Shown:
9.24.33
